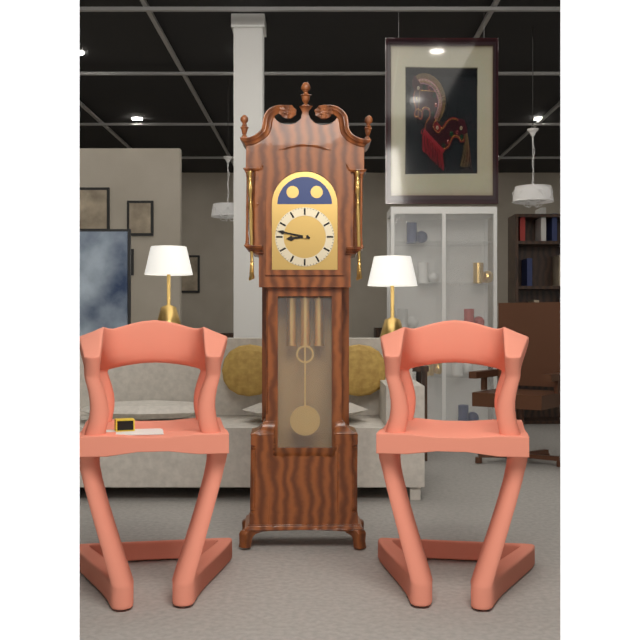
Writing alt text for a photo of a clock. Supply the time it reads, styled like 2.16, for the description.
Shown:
8.47
